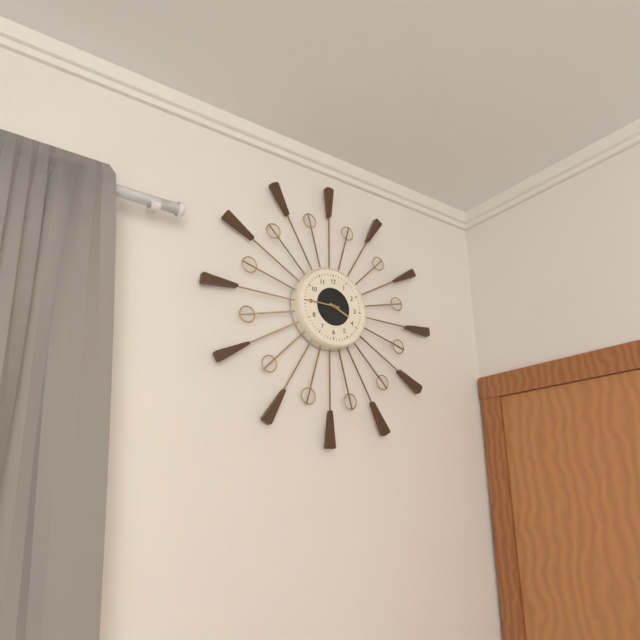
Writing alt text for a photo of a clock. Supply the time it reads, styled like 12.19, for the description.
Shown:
3.45
